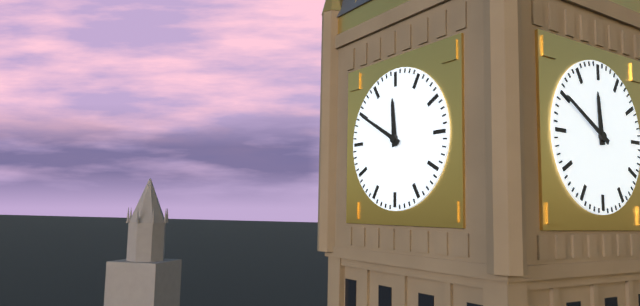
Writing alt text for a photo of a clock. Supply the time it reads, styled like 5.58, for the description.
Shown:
11.50
